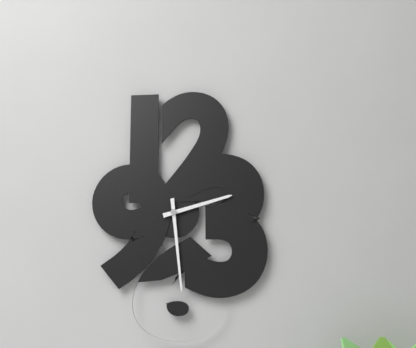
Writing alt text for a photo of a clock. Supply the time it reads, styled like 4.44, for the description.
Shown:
2.29
